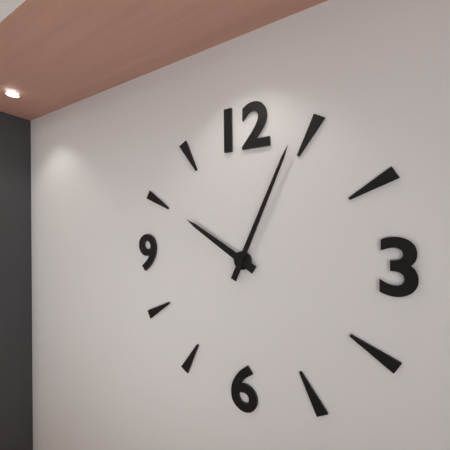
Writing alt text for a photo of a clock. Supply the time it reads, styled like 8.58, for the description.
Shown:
10.04
